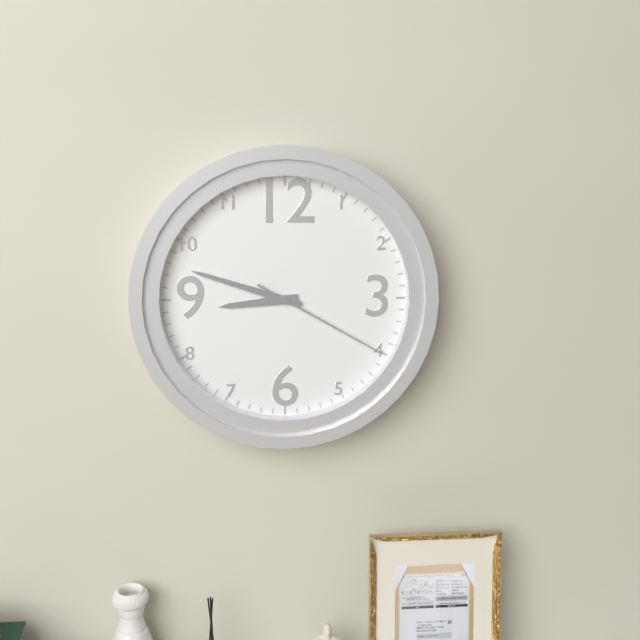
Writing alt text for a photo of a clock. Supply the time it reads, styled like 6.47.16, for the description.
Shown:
8.48.20
